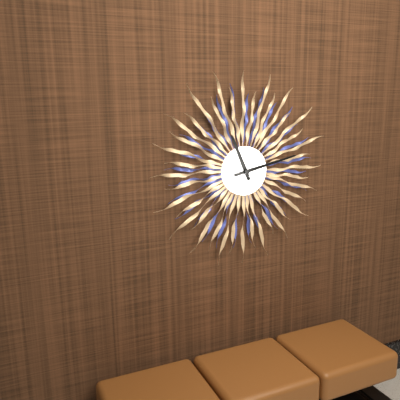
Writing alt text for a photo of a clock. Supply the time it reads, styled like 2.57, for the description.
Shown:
11.13
